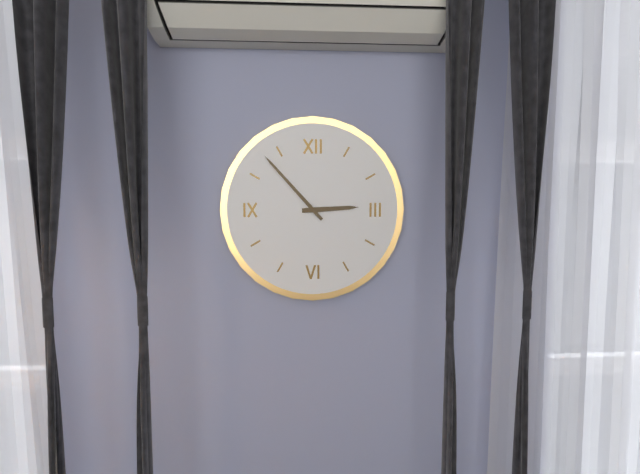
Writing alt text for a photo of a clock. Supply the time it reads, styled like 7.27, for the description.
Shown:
2.53
